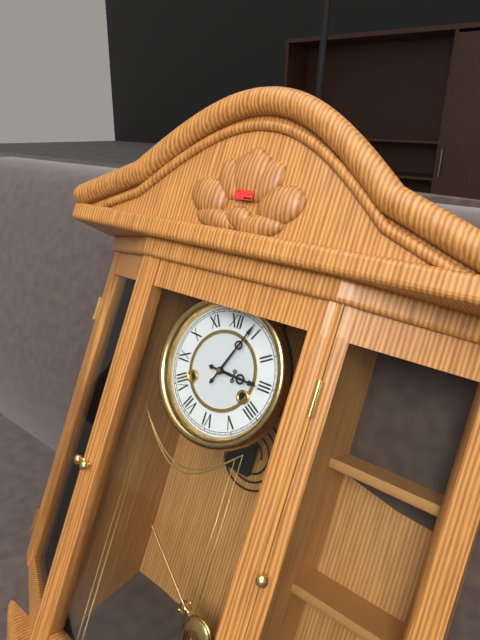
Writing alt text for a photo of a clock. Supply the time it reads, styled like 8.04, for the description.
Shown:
3.04
